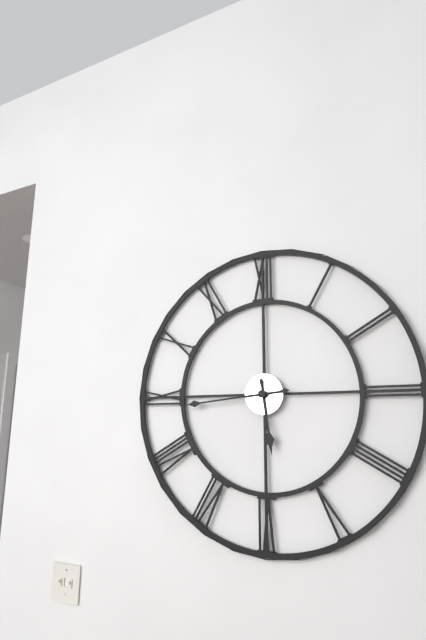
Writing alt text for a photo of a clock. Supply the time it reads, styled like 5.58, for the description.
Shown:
5.44
